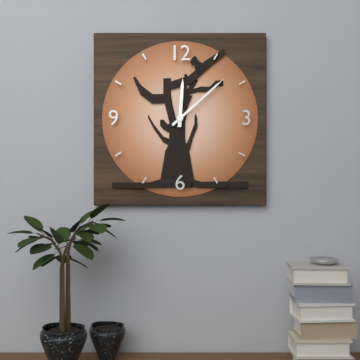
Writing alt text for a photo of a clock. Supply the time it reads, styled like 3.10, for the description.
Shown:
12.08
